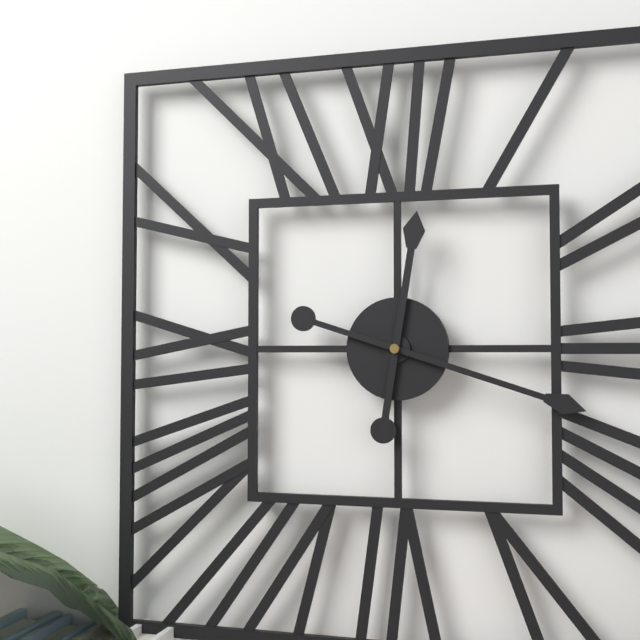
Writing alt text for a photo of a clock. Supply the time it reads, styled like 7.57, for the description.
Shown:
12.18
